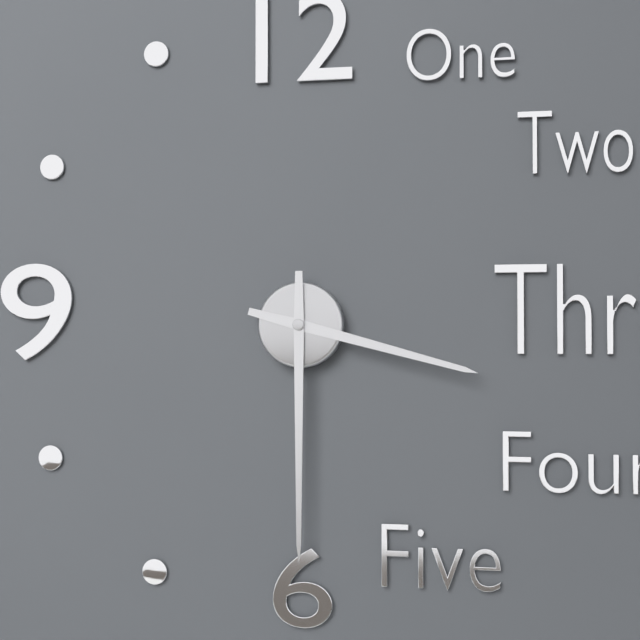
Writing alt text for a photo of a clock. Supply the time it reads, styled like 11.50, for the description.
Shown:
3.30
